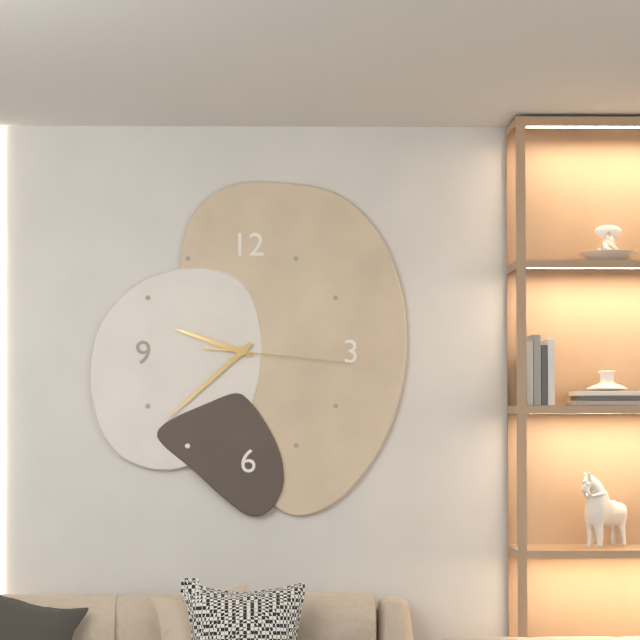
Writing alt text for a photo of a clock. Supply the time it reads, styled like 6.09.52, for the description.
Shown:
9.38.16
